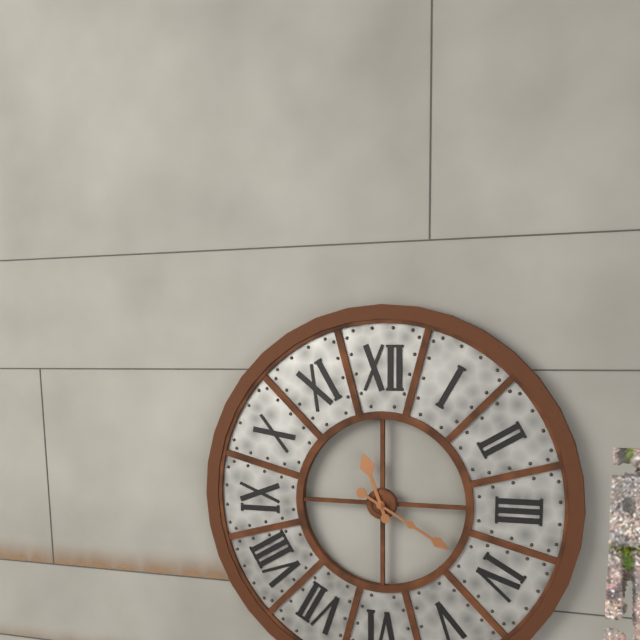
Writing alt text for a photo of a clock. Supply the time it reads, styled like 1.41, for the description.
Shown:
11.20
